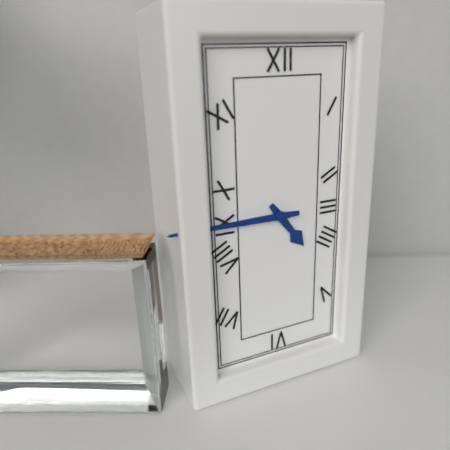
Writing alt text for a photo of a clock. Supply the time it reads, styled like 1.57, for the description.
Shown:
4.45
